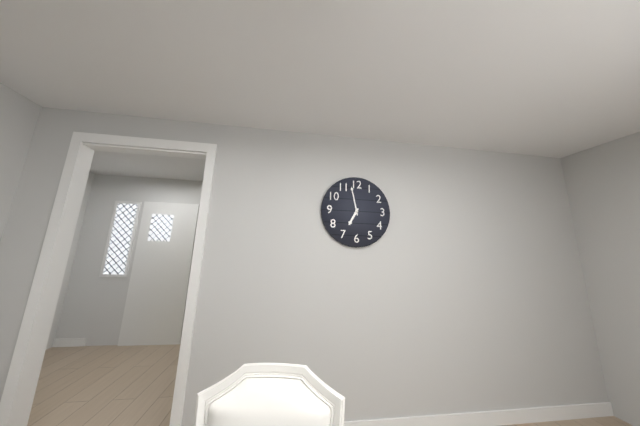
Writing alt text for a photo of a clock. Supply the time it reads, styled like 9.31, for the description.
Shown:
6.58
